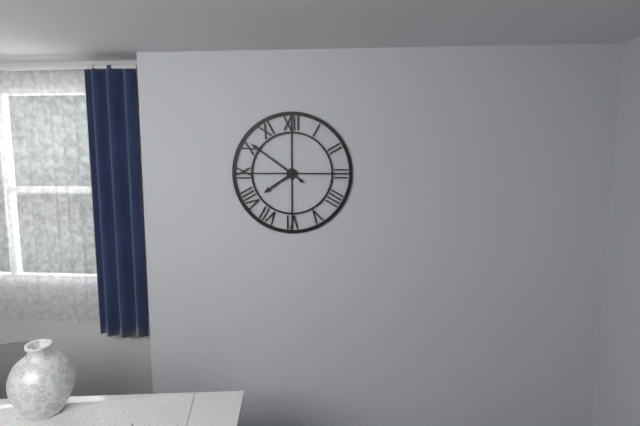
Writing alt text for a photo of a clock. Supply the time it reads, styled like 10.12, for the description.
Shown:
7.51
